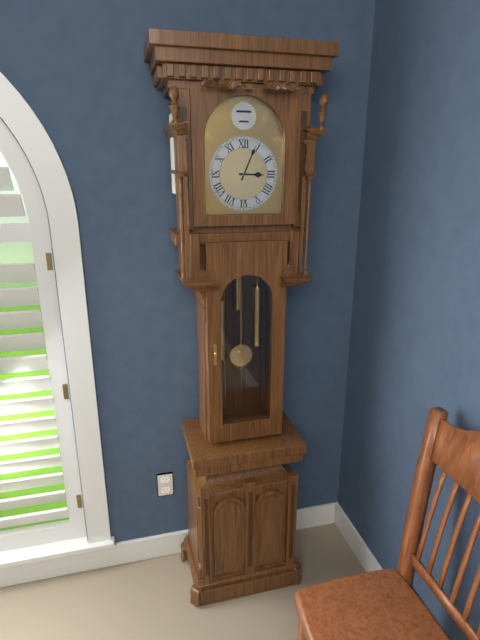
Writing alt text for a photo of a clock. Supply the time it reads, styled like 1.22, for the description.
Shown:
3.04
